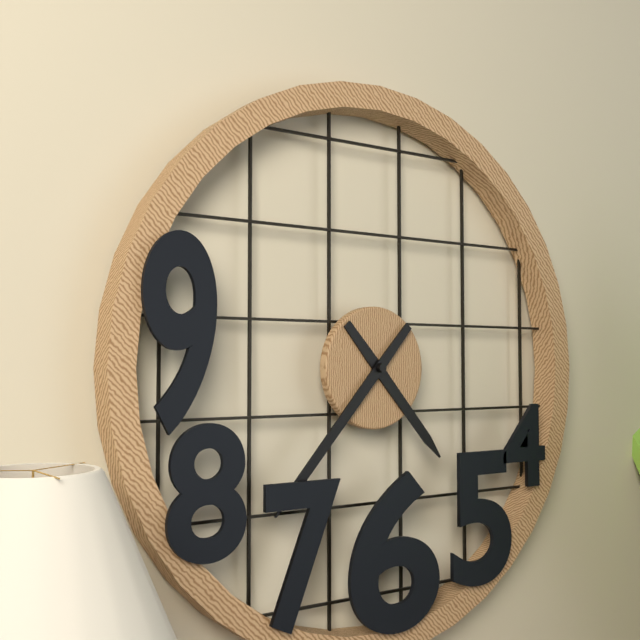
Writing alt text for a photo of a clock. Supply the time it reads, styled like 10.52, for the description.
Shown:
4.37
